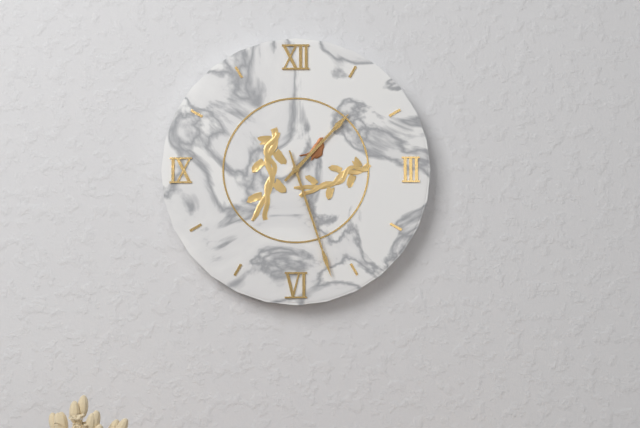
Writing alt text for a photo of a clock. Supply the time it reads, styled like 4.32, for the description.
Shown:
1.27
